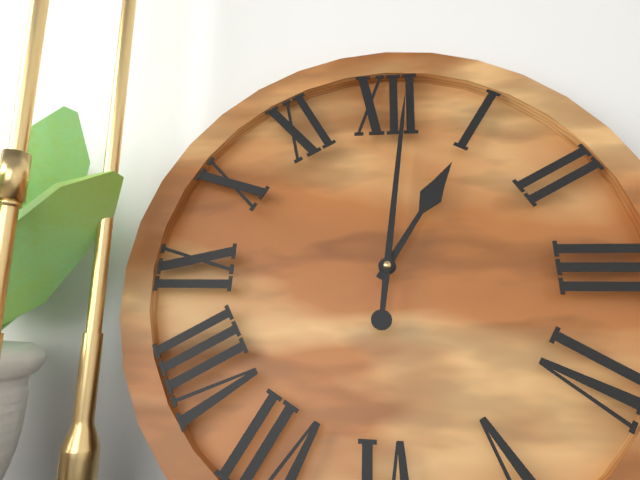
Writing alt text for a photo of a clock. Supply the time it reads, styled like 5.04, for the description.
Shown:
1.01
